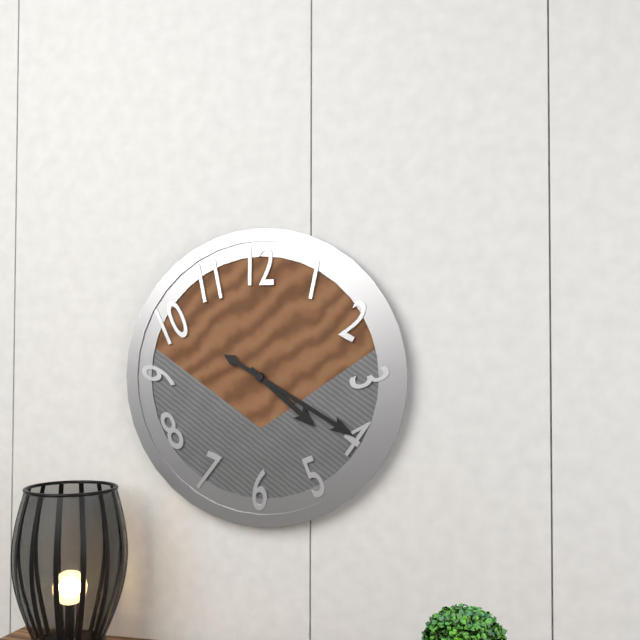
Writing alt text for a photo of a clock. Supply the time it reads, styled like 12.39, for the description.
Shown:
4.20
